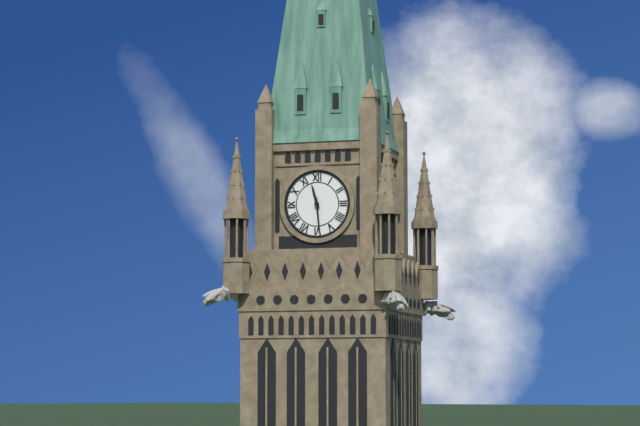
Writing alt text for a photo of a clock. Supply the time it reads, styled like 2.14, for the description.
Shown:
11.29
